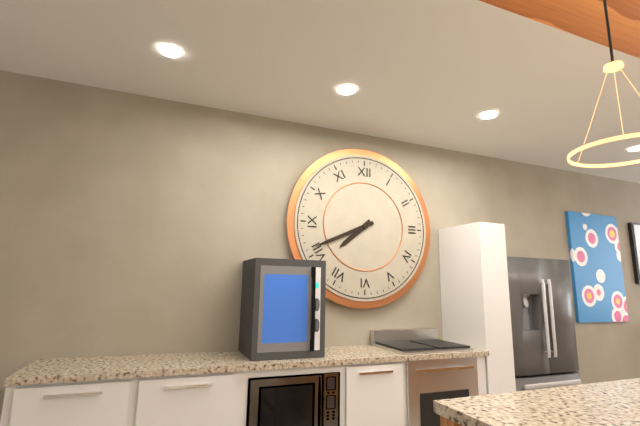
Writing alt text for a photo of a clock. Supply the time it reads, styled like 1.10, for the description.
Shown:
7.41
